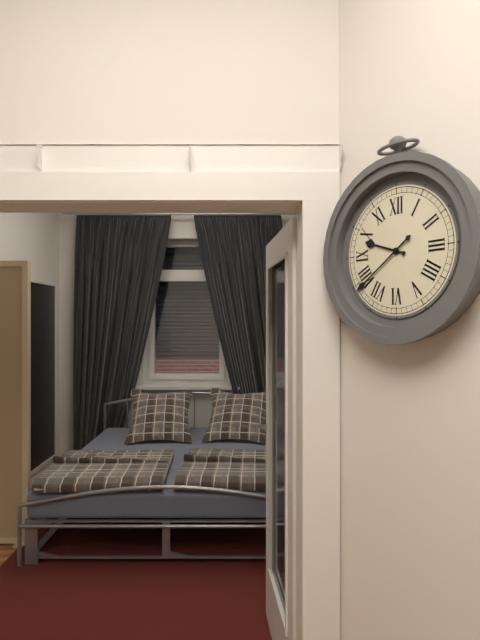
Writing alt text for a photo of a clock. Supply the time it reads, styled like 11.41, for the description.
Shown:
9.39
